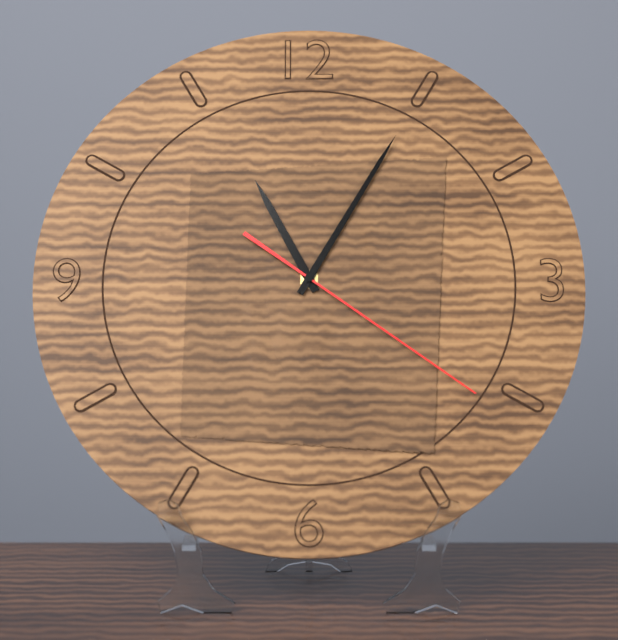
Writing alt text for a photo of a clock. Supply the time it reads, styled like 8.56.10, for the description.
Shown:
11.05.21
